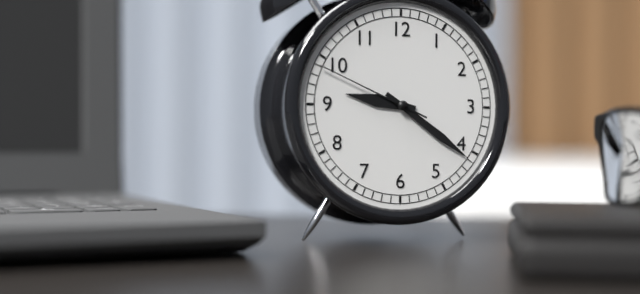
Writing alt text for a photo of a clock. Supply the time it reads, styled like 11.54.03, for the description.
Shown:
9.21.49
